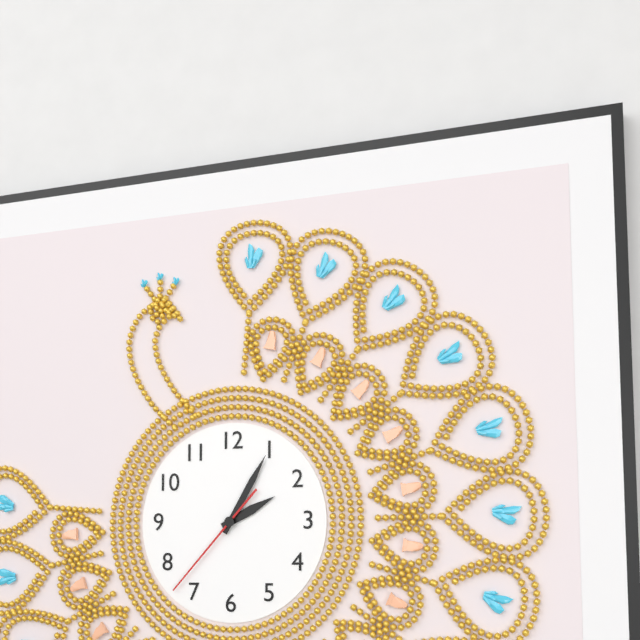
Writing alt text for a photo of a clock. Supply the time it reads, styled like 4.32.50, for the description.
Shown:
2.05.37
